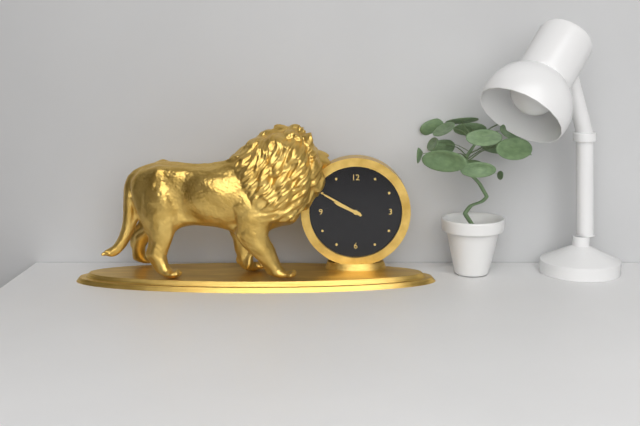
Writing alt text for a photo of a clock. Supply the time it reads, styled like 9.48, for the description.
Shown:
9.50
